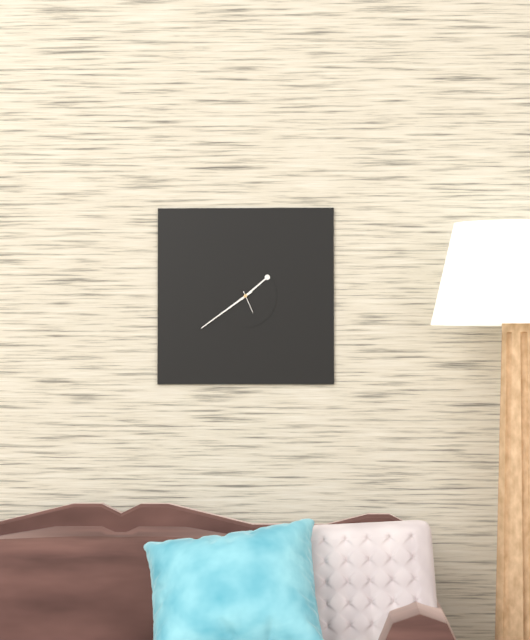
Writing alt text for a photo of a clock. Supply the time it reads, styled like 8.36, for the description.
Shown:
1.39
